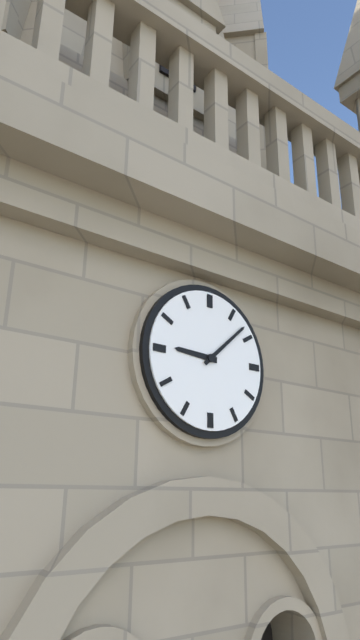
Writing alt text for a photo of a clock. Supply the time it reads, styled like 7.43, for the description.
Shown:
9.08
